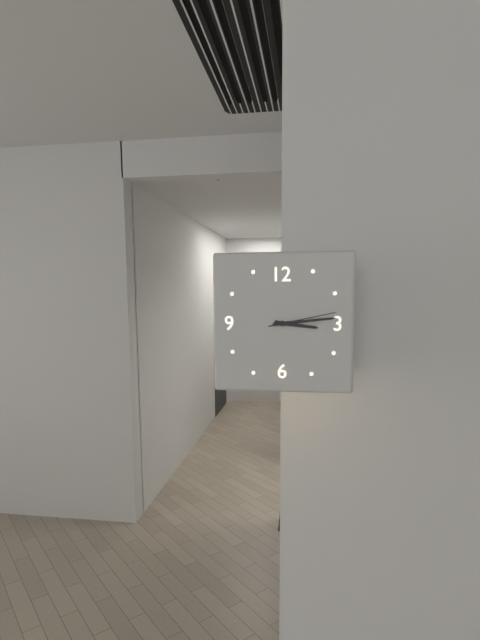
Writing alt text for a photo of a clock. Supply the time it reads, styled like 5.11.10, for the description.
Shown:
3.14.13
